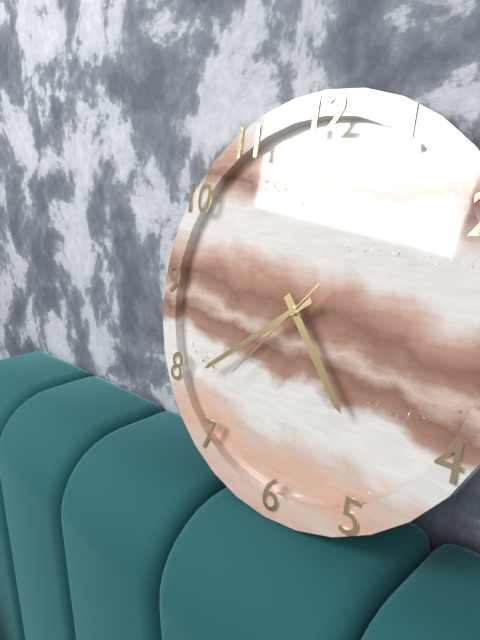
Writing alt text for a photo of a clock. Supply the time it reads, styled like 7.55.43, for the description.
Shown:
4.39.37
